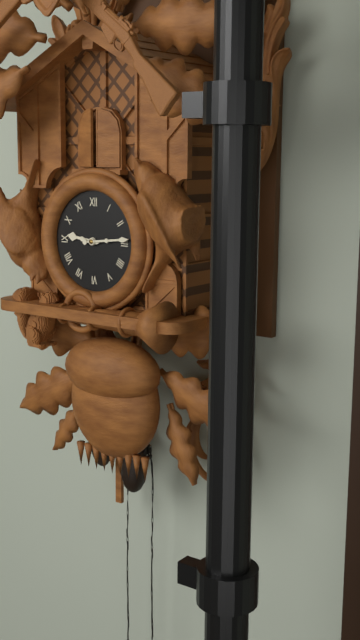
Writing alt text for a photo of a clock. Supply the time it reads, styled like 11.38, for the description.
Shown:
9.14
